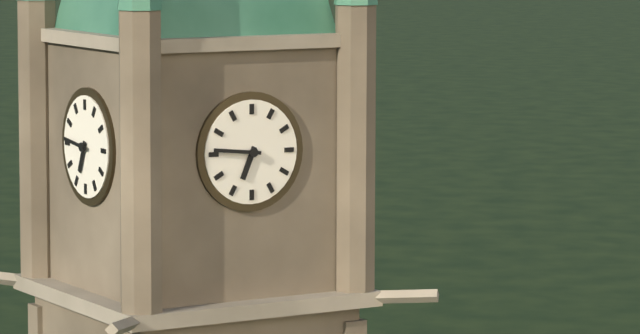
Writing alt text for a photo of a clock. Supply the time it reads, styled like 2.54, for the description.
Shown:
6.46
